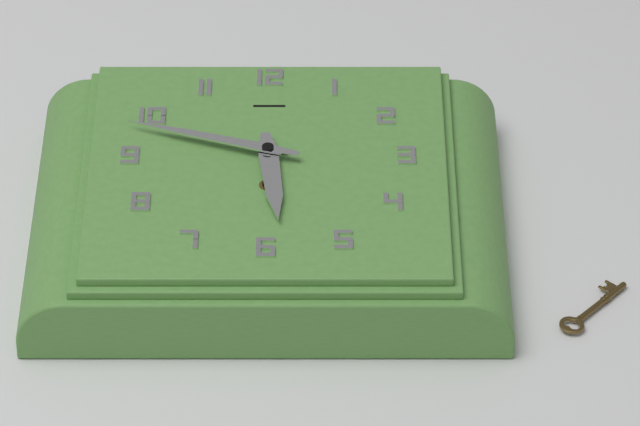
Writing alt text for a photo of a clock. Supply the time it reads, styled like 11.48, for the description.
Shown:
5.48
